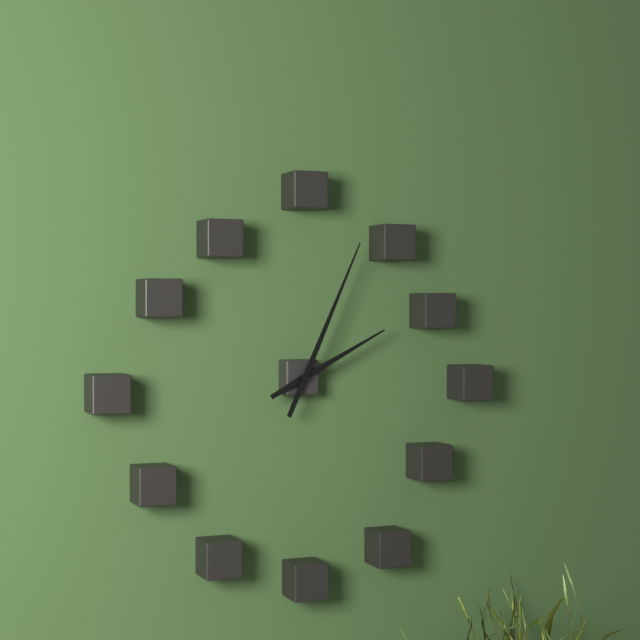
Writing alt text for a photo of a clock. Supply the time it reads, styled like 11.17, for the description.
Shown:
2.04
